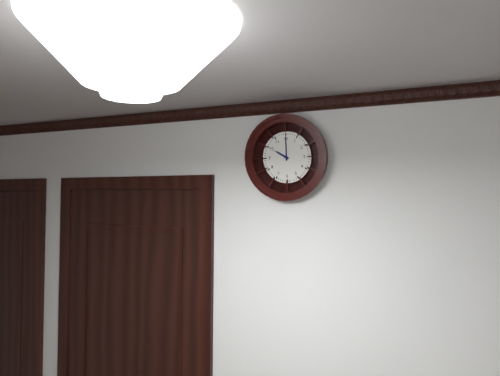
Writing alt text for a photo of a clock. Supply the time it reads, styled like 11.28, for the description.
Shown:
10.00
